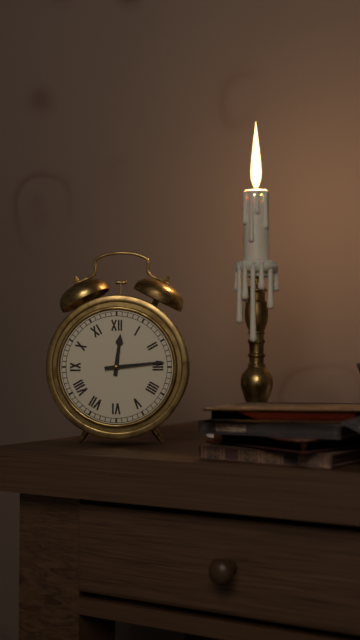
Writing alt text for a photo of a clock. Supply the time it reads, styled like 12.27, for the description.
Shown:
12.14
